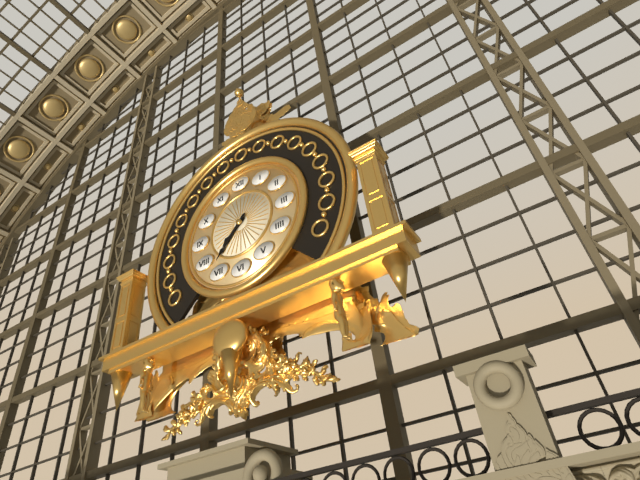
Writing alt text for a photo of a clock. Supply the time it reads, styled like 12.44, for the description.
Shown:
7.37
